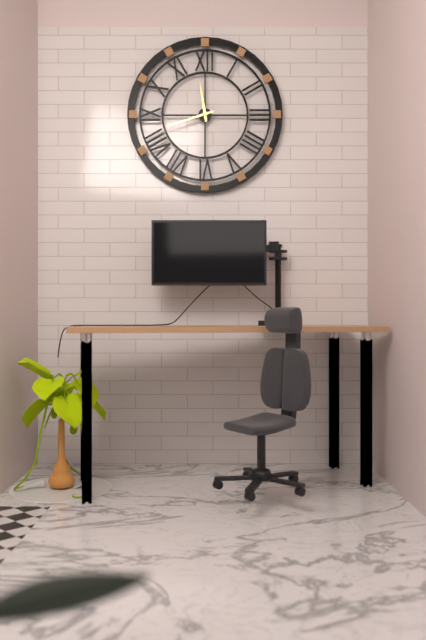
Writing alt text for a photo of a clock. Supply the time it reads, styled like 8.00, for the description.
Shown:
11.42
